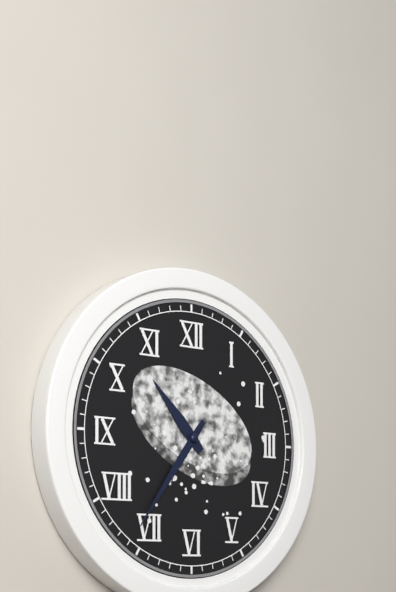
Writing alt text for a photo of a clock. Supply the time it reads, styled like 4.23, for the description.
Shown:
10.36
